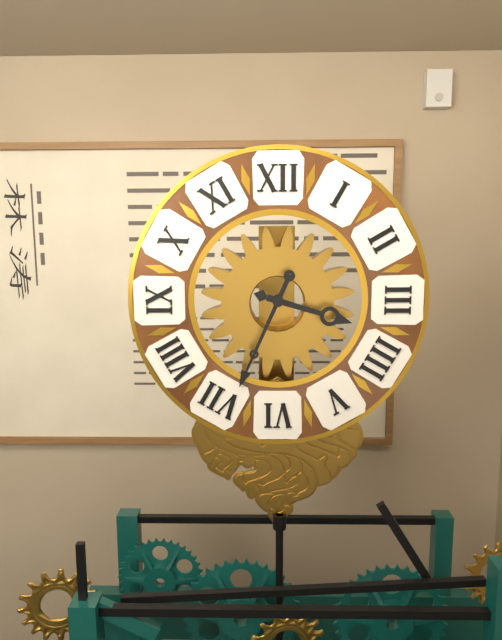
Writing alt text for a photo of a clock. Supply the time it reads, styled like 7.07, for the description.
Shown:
3.34
